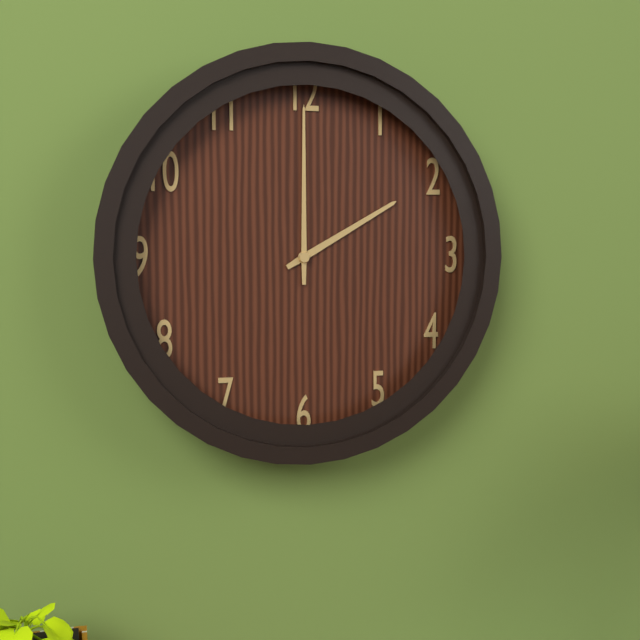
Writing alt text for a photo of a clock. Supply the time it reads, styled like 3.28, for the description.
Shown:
2.00
